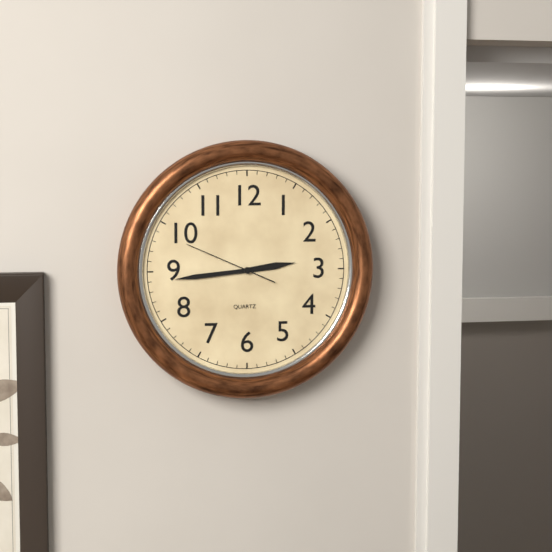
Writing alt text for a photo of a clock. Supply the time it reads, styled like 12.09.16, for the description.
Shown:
2.44.49
